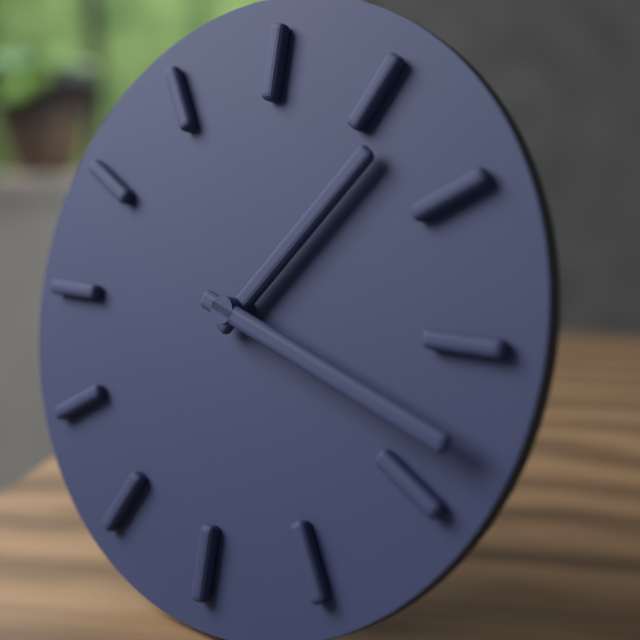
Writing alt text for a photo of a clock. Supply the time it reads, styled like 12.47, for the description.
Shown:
1.18
